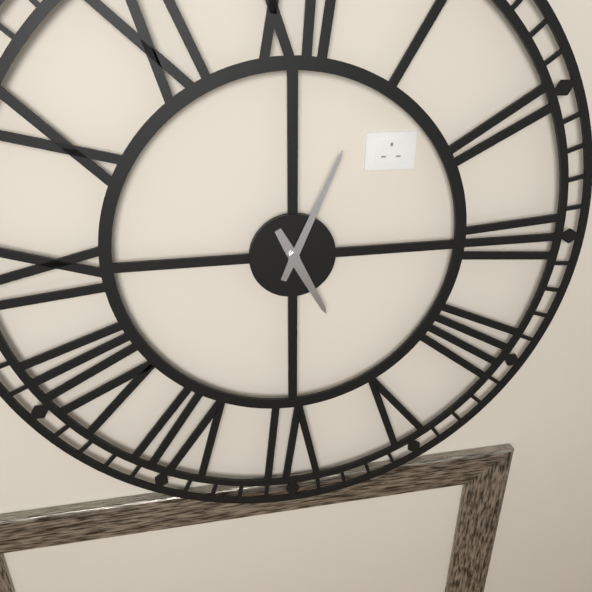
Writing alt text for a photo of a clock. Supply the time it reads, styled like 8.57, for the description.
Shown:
5.04
